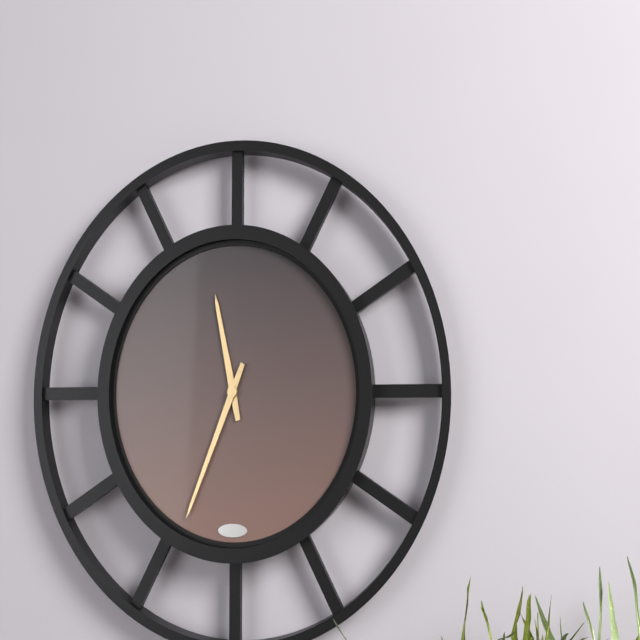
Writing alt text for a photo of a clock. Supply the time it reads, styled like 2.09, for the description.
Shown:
11.34
